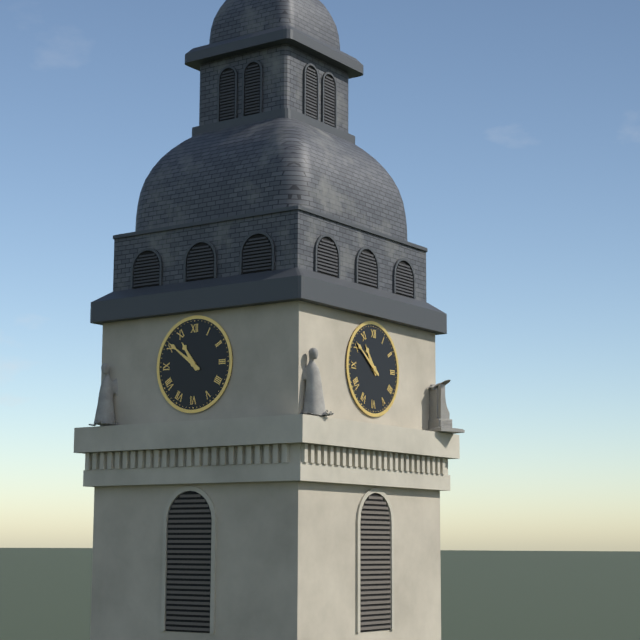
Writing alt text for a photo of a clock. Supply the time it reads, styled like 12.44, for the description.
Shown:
10.51
